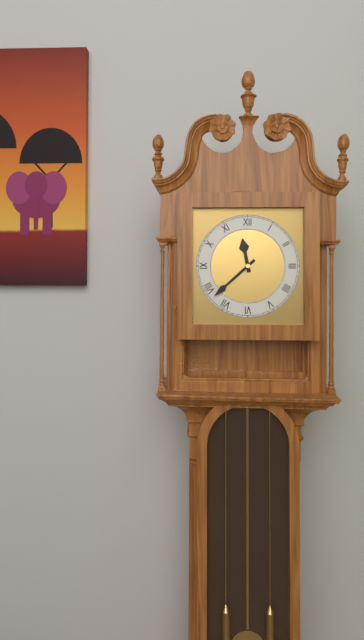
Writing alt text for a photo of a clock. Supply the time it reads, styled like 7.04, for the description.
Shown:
11.38
